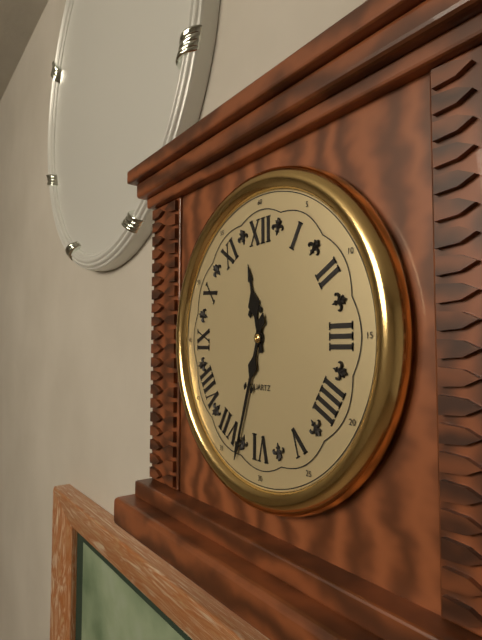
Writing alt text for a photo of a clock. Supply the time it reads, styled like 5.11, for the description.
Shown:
11.33
